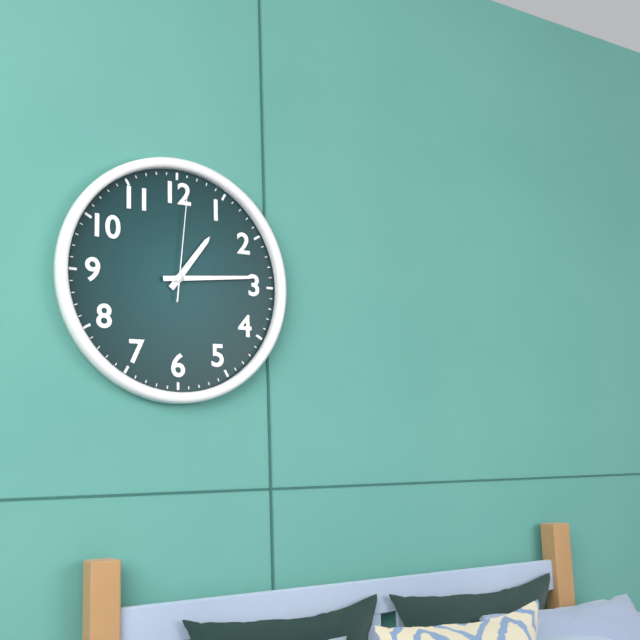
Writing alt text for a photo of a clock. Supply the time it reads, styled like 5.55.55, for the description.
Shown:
1.14.01
